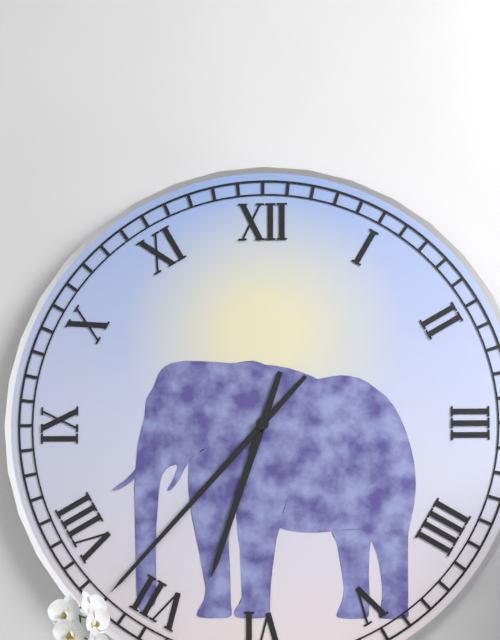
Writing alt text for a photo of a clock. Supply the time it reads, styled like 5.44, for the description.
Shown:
6.37
